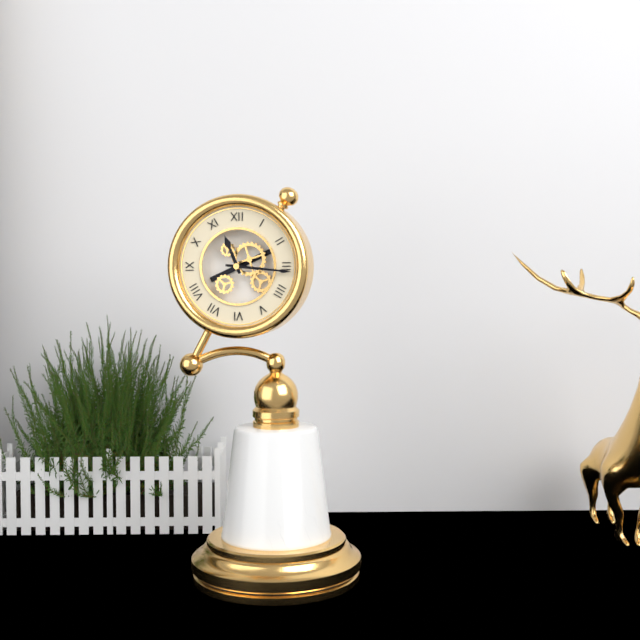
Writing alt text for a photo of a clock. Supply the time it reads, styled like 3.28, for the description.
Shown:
11.16
